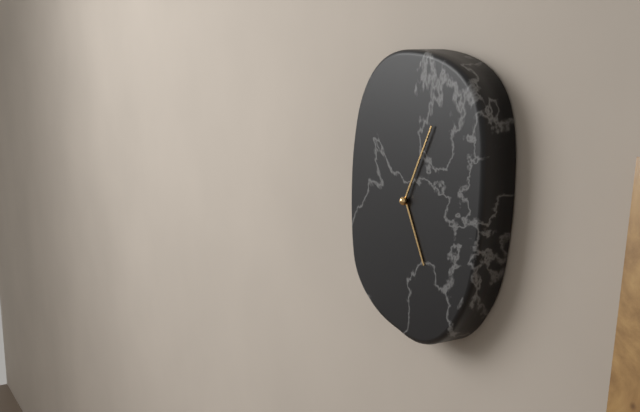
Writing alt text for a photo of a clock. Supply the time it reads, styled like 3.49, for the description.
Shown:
5.05
